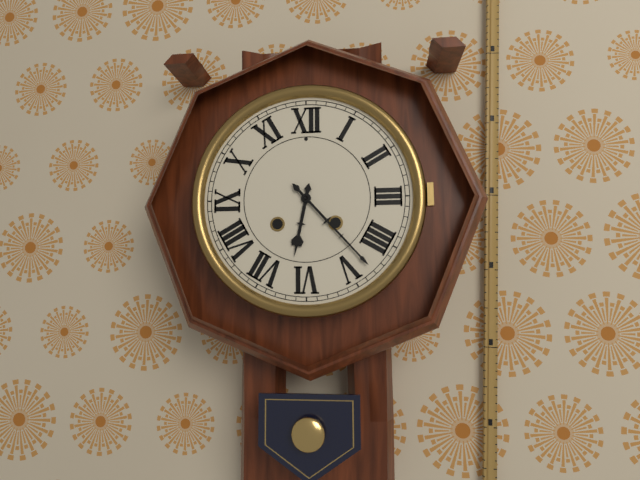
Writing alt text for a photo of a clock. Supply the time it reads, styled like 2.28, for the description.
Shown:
6.23
